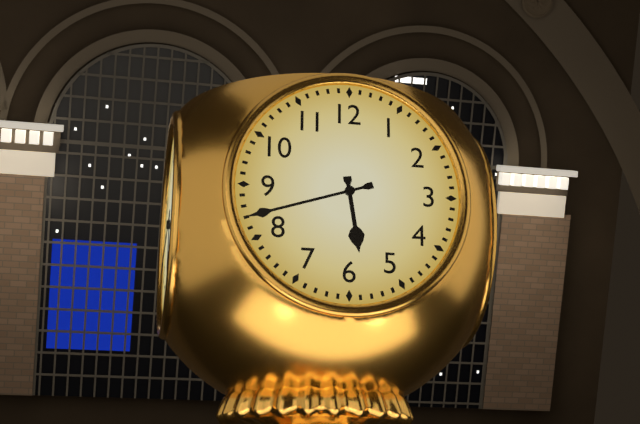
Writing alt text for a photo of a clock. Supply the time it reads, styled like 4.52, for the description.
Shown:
5.42
